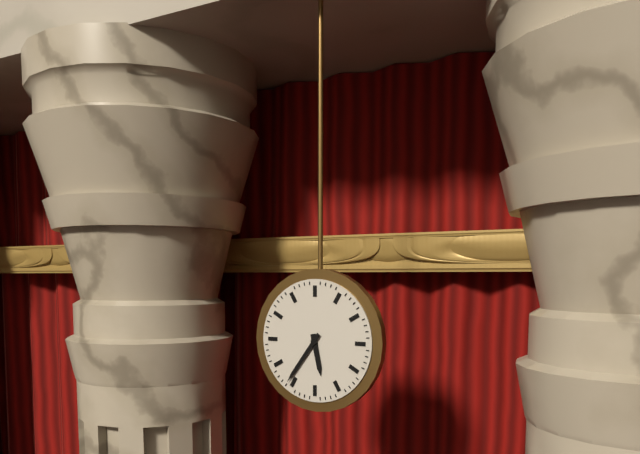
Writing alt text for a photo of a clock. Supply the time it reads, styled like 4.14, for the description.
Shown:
5.36
